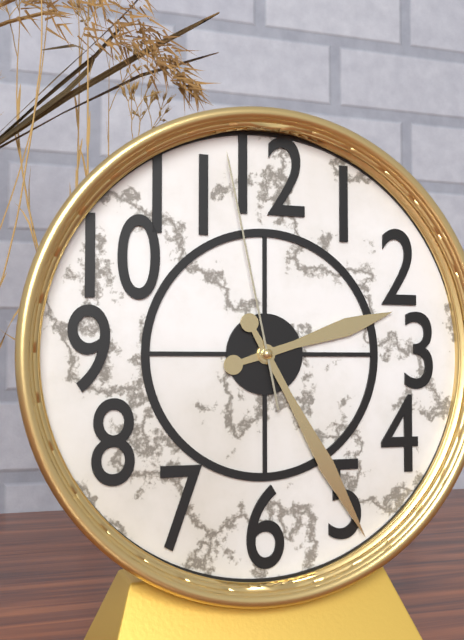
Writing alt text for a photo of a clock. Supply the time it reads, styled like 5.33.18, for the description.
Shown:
2.25.58
